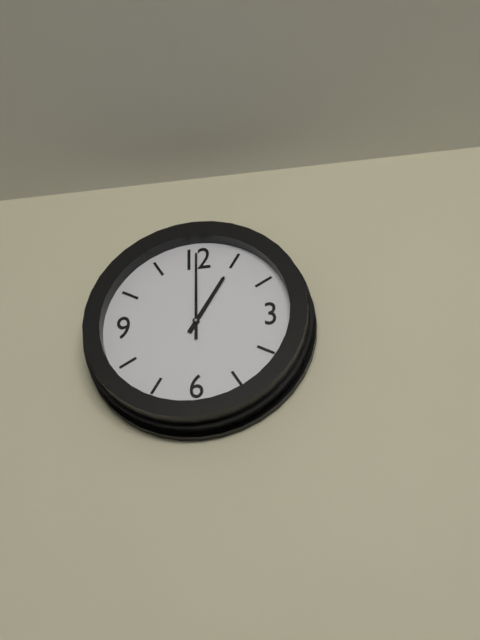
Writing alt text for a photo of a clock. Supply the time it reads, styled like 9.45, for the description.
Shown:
1.00
